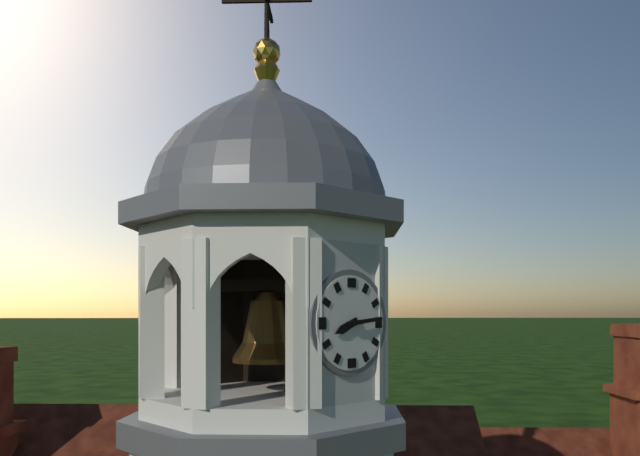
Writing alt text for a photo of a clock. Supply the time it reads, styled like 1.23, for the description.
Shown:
8.14
